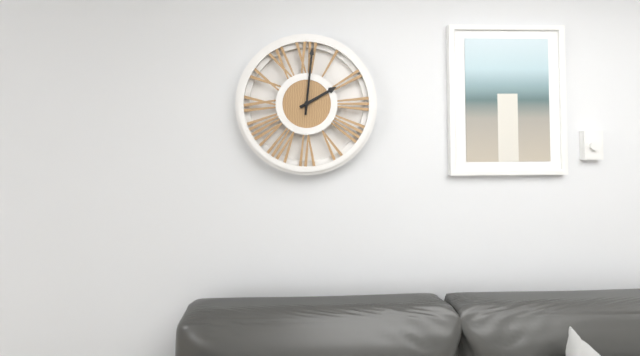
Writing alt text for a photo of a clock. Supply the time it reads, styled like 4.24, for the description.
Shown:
2.01
